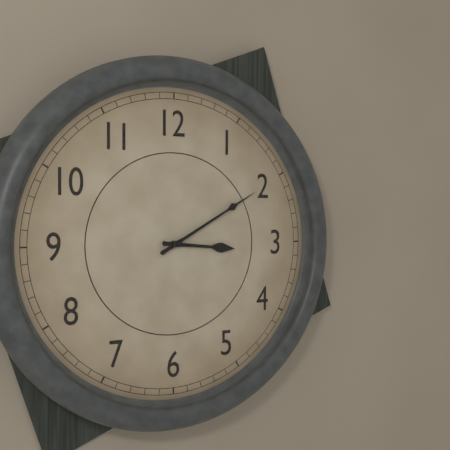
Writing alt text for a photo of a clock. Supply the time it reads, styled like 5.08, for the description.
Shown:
3.10
